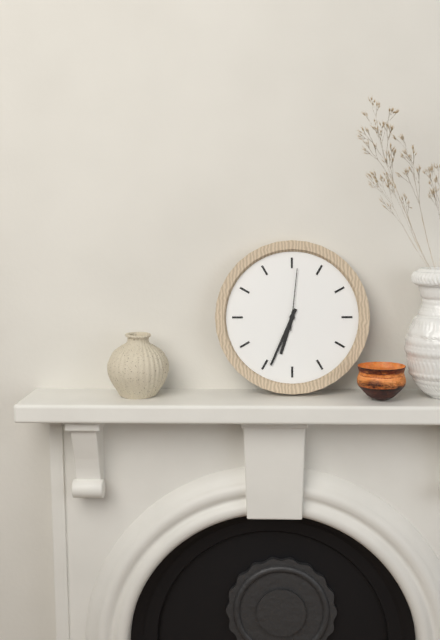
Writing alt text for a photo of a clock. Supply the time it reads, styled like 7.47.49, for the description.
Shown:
6.34.01
